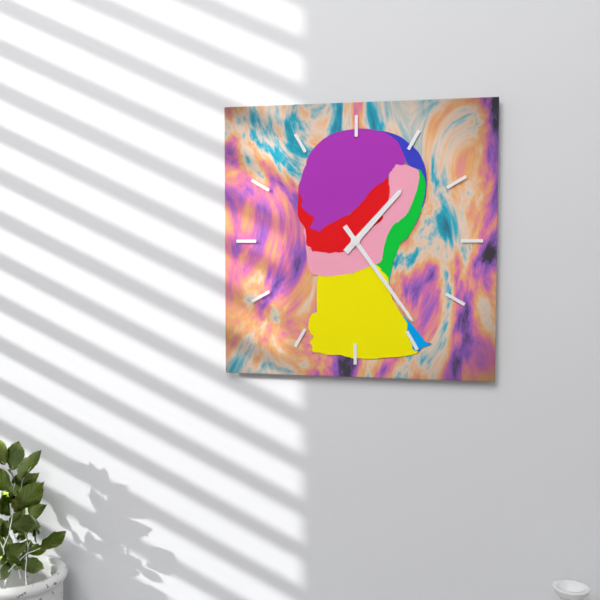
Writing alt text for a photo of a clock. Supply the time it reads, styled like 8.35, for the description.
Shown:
1.24
